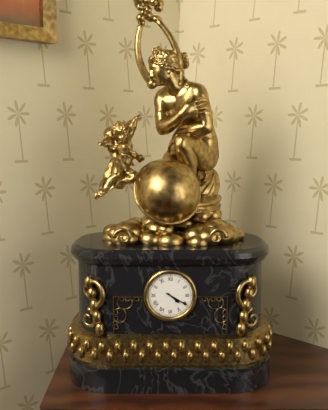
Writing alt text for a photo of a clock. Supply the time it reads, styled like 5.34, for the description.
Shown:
4.20
